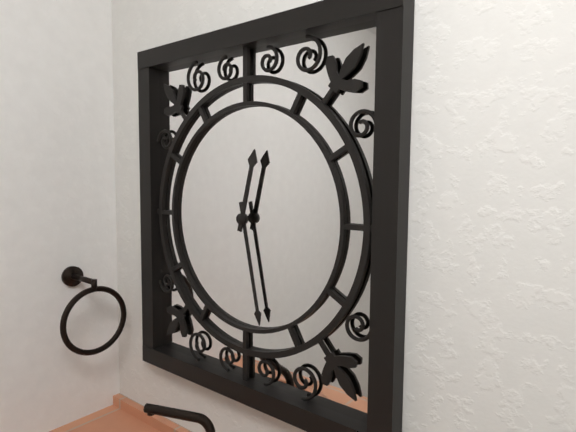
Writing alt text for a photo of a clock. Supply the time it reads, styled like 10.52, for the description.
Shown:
12.28
